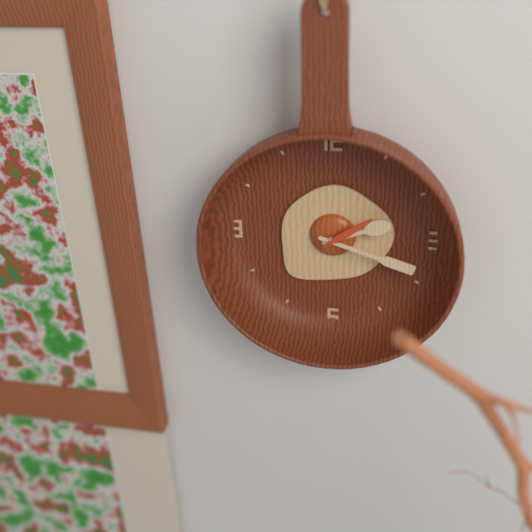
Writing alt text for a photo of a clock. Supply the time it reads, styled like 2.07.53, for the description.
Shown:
2.18.09
